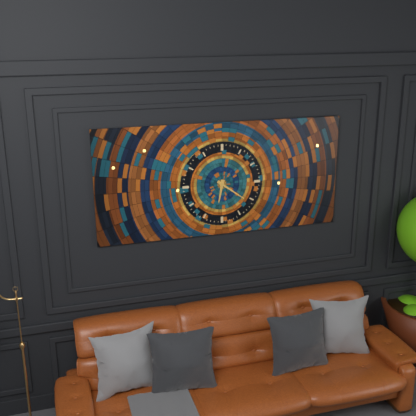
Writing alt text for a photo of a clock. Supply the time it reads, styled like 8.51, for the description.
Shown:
6.21
